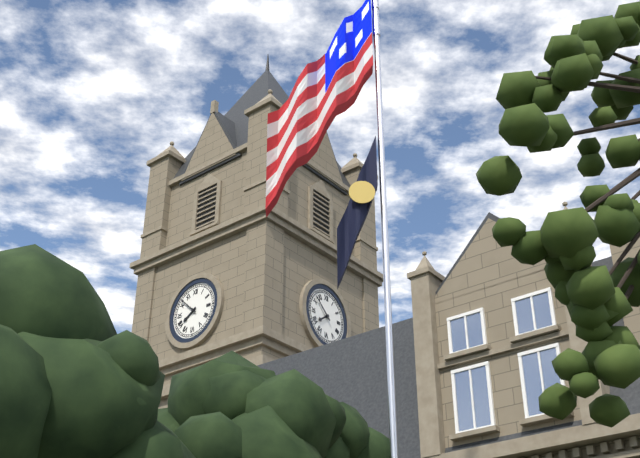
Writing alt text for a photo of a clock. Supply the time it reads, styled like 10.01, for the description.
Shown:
7.52
